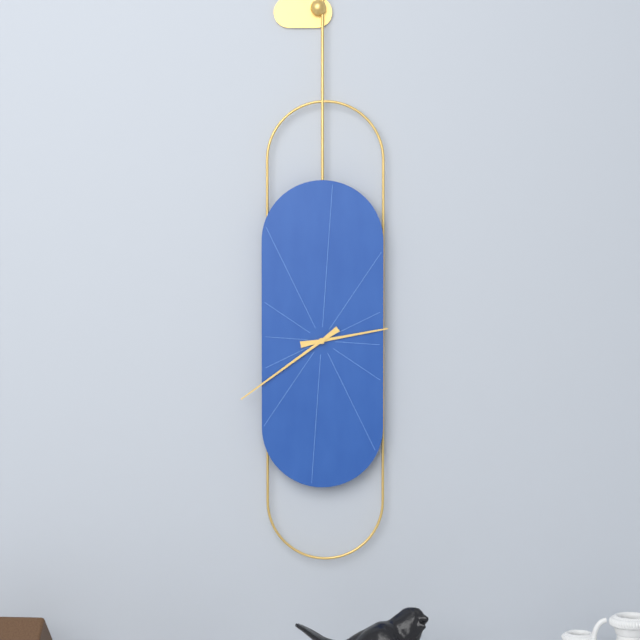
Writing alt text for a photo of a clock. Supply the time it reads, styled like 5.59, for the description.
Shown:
2.39
